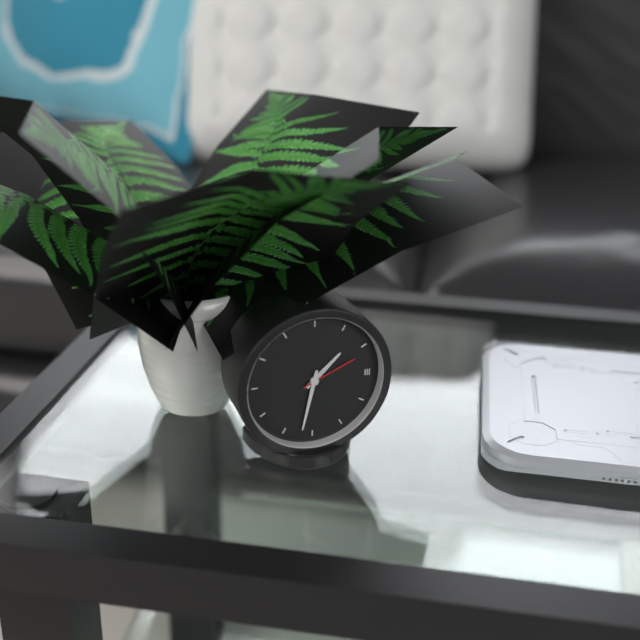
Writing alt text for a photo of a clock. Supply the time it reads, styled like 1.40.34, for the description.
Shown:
1.32.11
